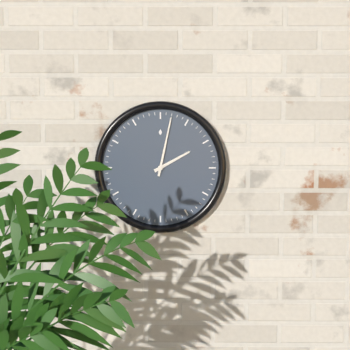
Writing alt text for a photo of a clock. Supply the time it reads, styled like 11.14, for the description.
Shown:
2.02
